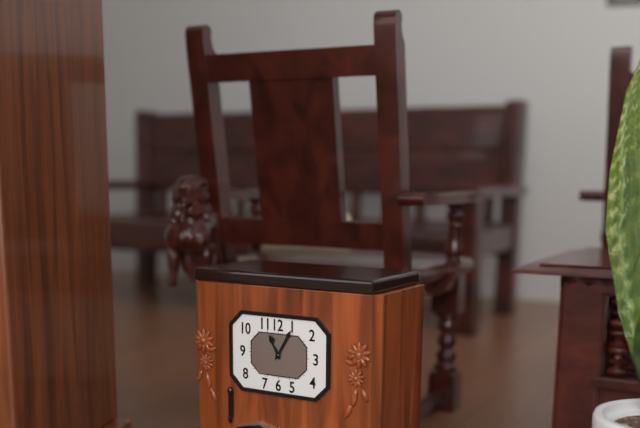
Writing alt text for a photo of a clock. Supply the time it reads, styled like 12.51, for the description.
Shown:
11.05
